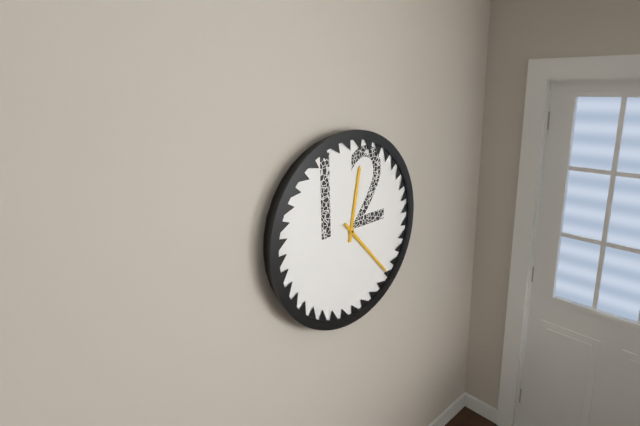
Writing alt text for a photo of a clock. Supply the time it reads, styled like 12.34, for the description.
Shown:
12.23
